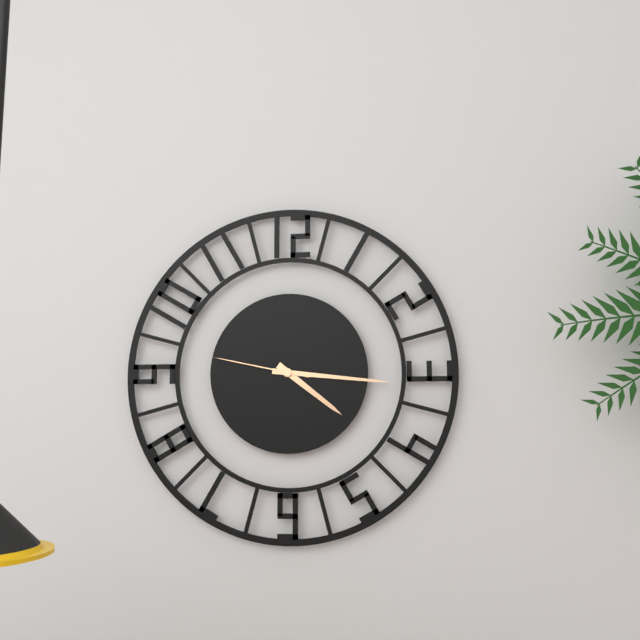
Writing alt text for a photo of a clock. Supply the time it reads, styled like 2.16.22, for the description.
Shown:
4.16.47
